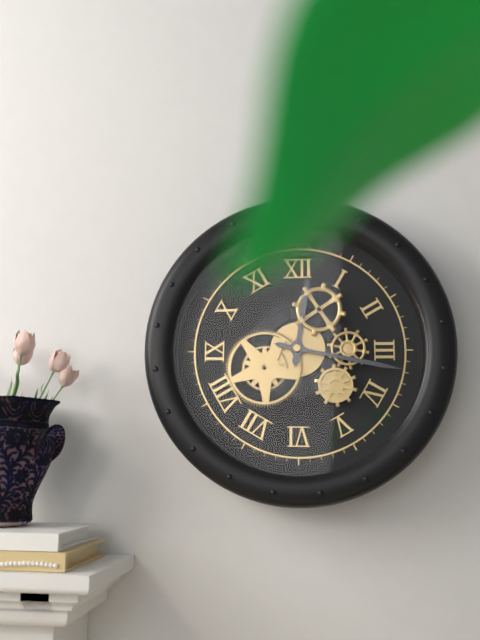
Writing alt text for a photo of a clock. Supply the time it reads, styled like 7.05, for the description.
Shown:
12.17
